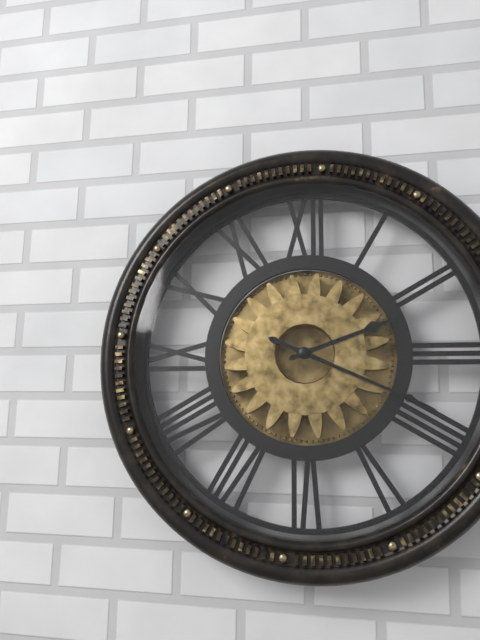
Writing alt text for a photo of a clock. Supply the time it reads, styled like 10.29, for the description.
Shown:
2.19
